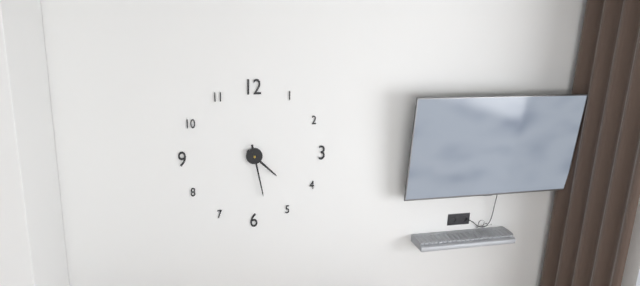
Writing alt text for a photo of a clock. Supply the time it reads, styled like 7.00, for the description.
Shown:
4.28
